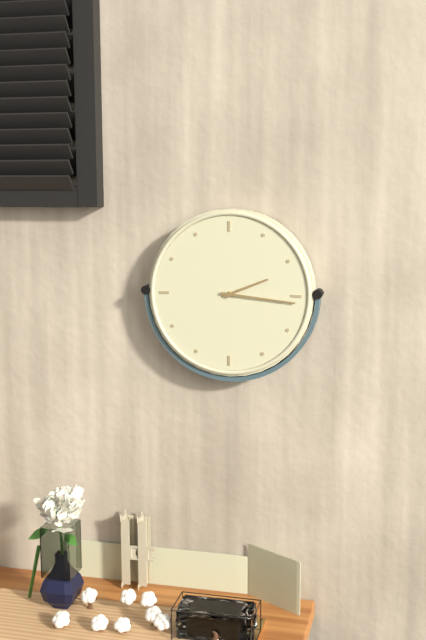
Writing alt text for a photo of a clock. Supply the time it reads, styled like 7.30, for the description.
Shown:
2.16
